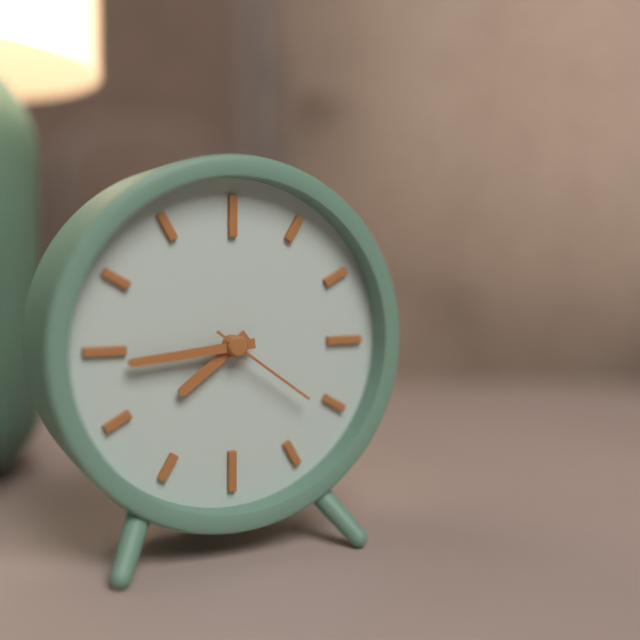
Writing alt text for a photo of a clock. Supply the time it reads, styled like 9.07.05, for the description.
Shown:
7.44.21
